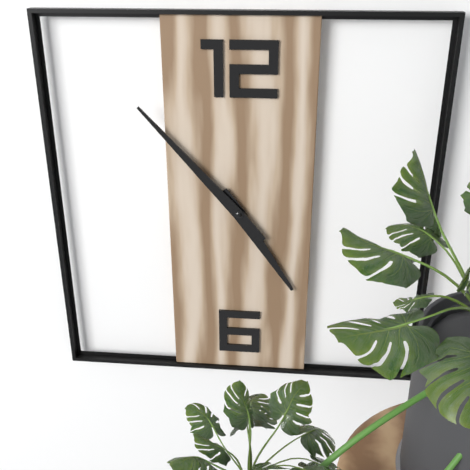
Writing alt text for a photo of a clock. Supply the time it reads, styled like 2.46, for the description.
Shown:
4.53
